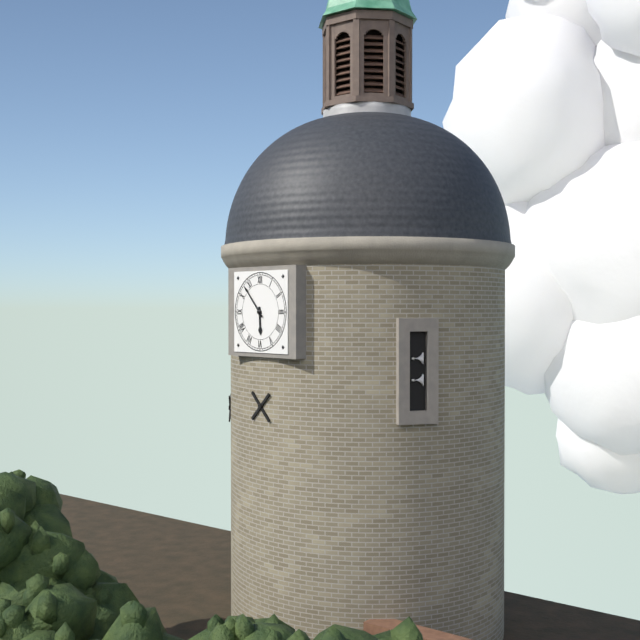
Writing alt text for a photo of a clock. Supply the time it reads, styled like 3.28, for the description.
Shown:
5.53
